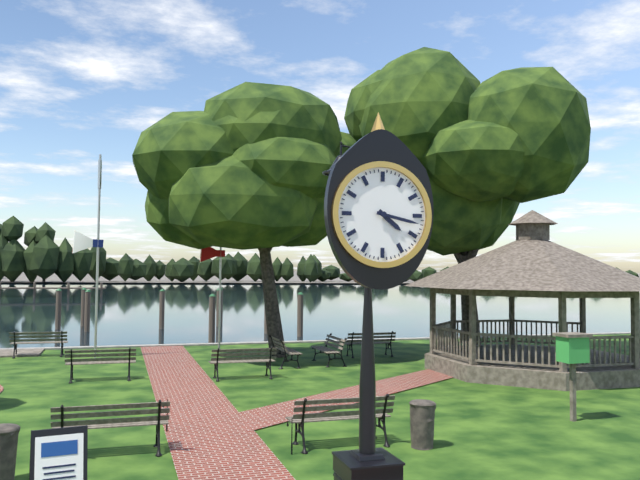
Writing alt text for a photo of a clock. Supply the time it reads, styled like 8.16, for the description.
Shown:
4.17
